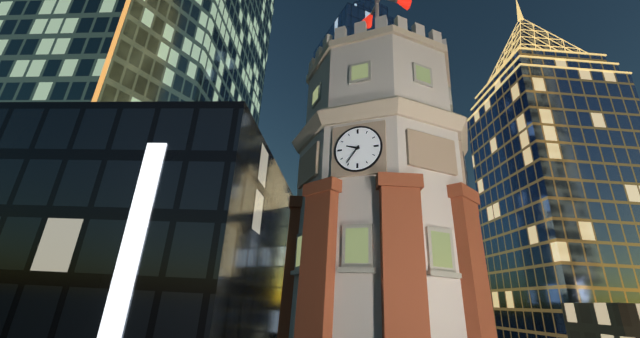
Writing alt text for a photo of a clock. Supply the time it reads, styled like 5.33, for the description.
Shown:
9.36
